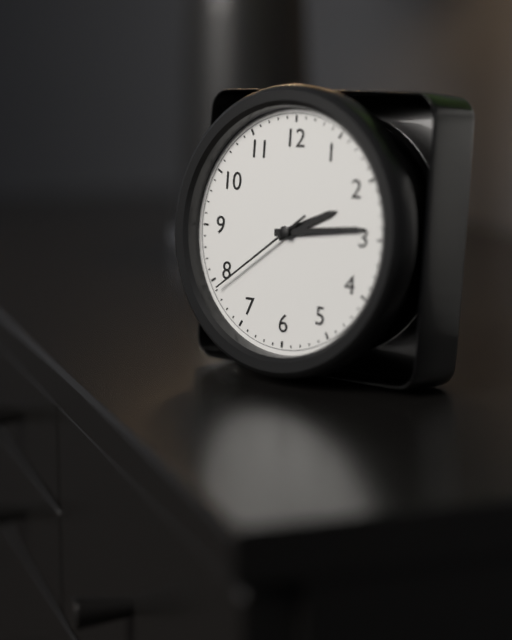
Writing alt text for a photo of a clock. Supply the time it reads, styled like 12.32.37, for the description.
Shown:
2.14.39
